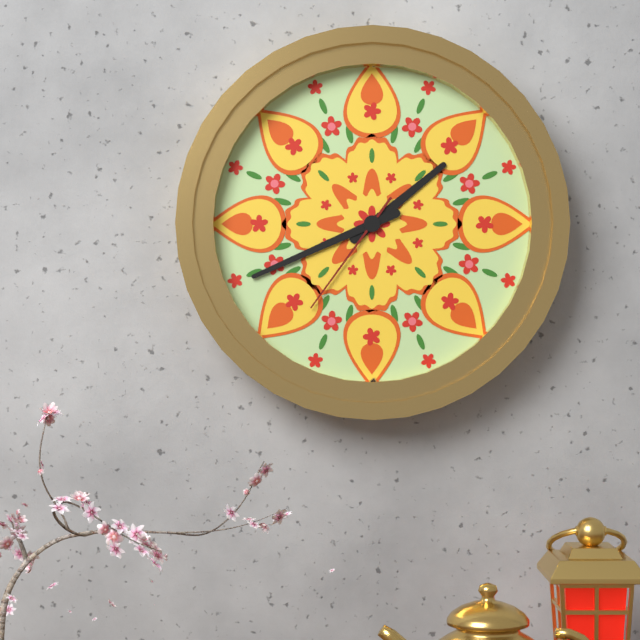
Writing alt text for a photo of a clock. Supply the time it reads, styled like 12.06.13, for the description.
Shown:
1.41.36
